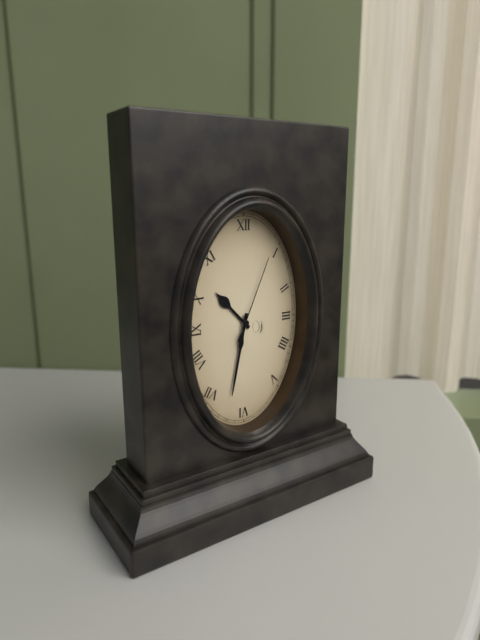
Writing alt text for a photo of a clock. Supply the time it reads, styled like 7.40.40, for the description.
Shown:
10.32.04
